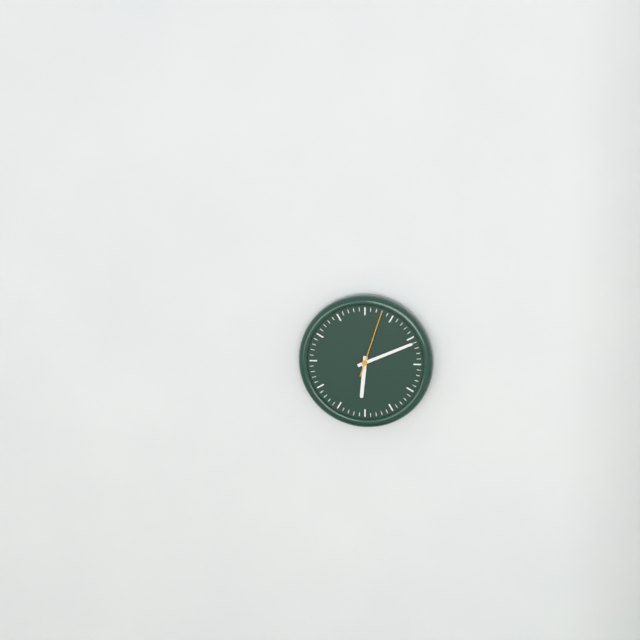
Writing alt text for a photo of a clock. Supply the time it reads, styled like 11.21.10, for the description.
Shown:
6.11.03
